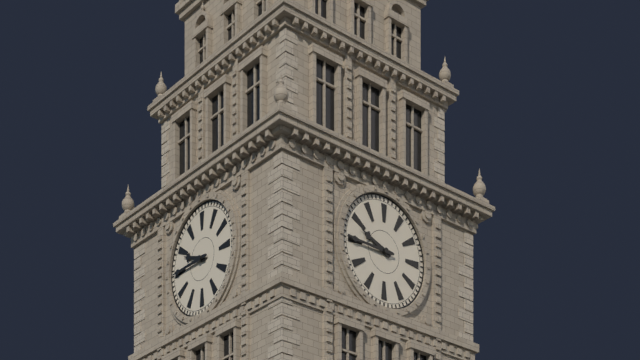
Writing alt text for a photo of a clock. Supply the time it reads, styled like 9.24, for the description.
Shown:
9.45
